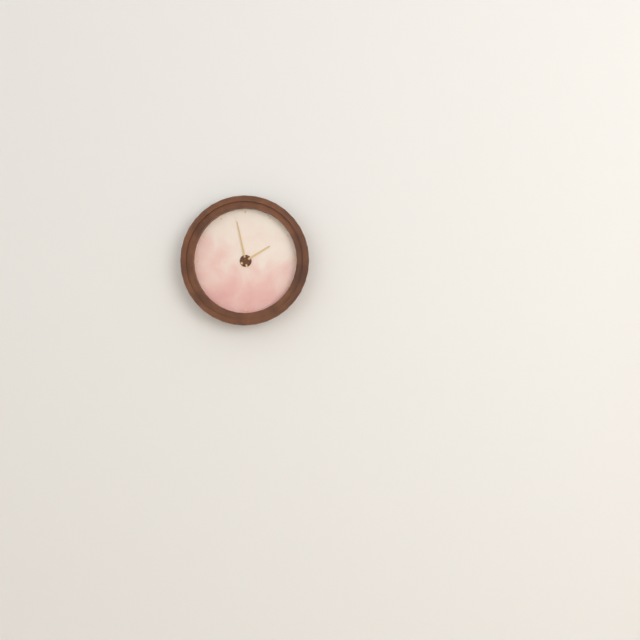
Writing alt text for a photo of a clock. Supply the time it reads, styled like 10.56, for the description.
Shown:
1.58
